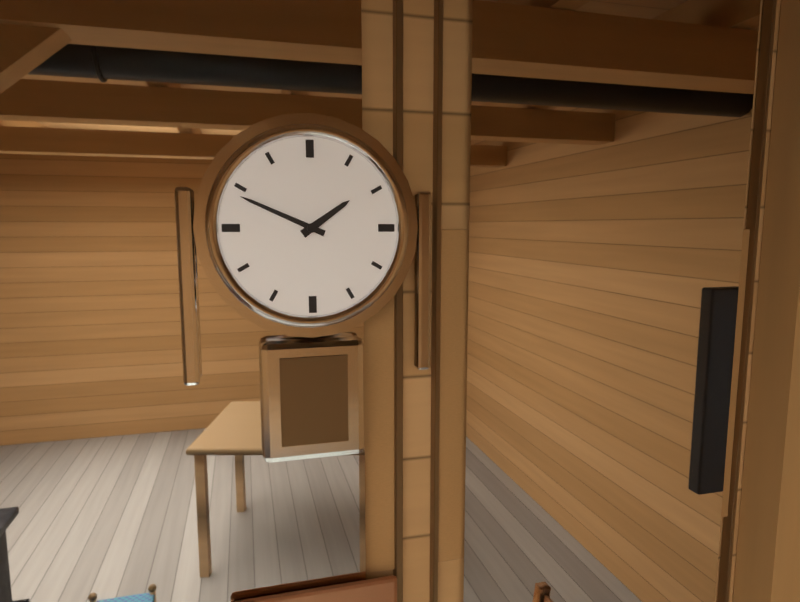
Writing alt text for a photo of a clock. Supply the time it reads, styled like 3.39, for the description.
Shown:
1.49
